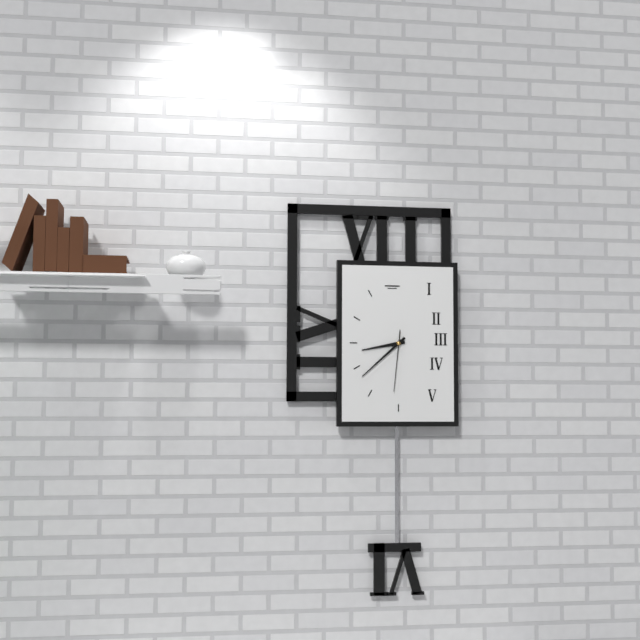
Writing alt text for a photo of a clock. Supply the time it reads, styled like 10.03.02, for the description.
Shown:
8.38.31
